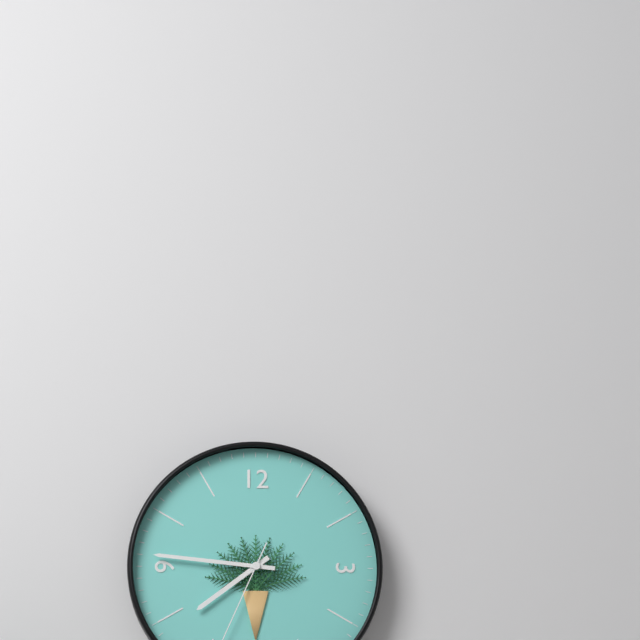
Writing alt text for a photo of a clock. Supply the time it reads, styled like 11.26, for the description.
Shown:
7.46
